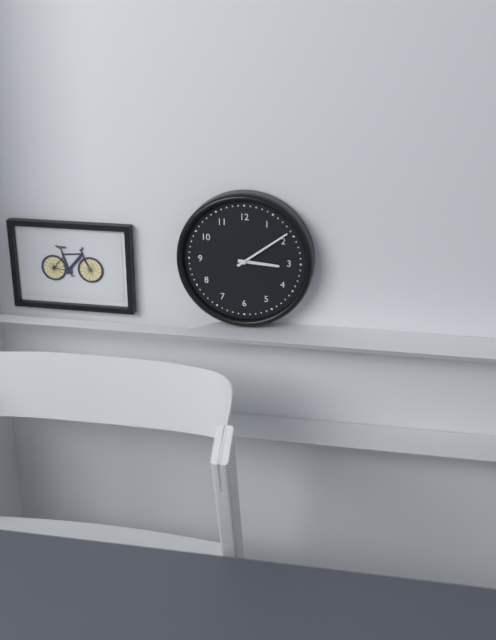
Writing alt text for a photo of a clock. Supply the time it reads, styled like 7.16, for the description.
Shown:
3.09
